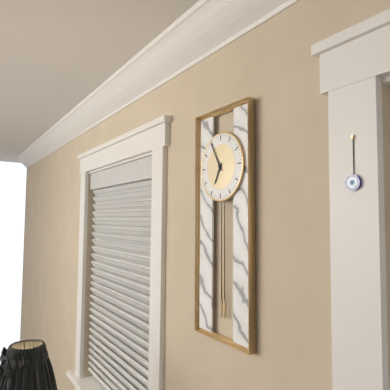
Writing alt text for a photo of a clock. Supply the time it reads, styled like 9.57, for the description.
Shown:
6.55
